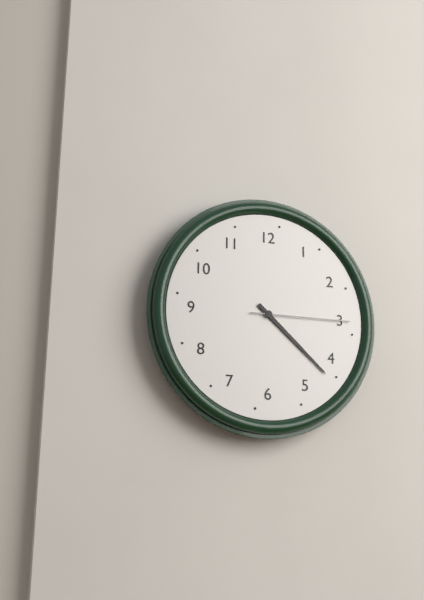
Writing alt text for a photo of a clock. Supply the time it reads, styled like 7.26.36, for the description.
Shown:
4.22.15
